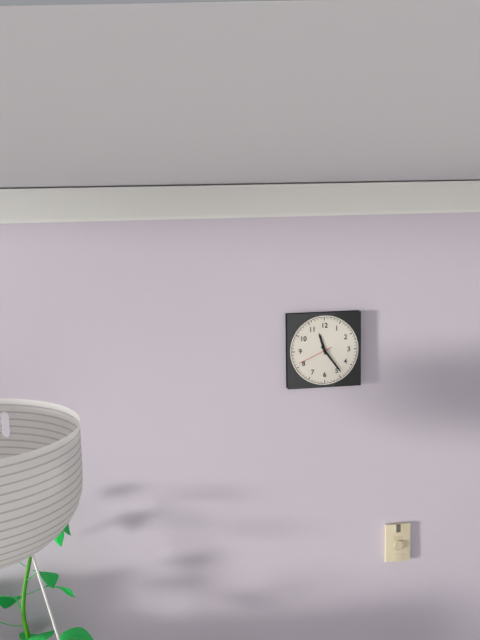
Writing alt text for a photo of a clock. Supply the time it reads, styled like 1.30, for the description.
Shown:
11.24
